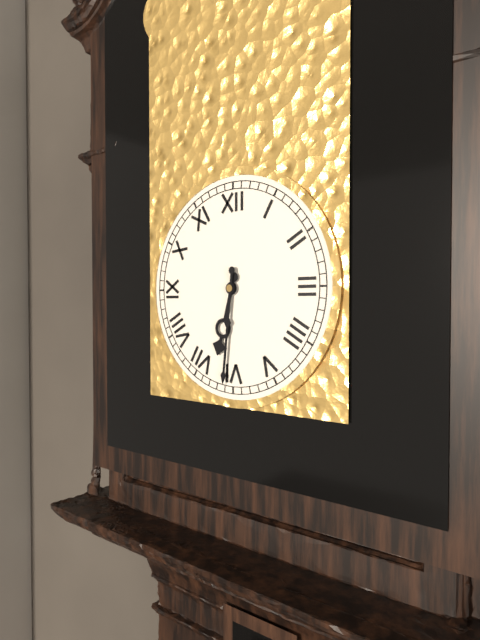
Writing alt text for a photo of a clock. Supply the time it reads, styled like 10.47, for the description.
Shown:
6.31
